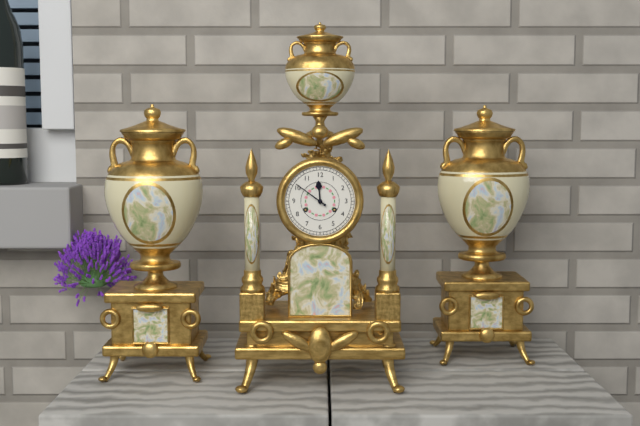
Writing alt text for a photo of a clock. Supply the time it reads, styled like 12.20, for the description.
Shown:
11.51
